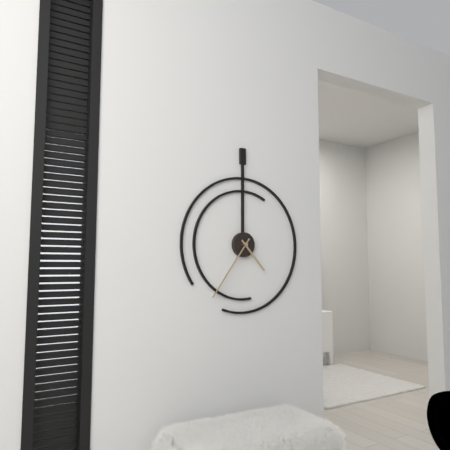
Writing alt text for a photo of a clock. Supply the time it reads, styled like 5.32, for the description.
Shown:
4.36
